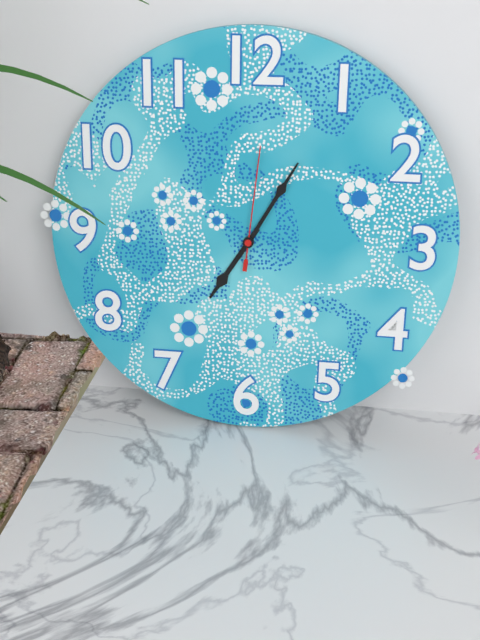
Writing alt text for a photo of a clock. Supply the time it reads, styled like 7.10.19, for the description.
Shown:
7.05.01
